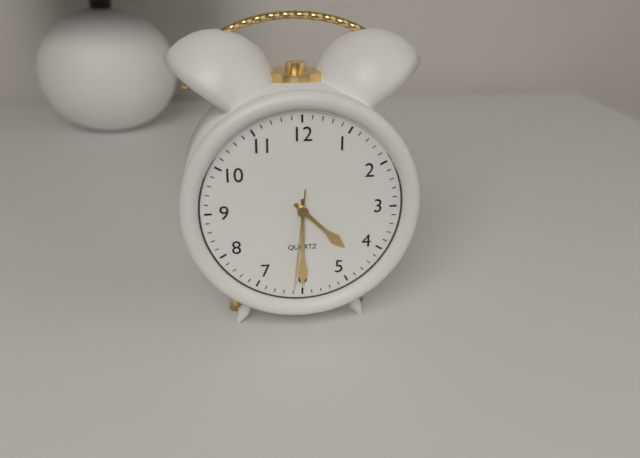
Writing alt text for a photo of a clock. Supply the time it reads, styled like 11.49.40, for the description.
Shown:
4.30.31
